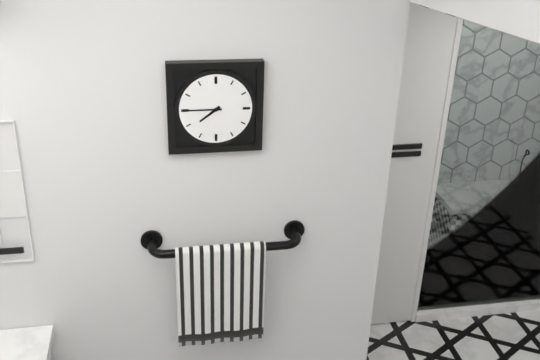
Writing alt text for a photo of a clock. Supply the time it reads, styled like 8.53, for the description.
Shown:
7.45
